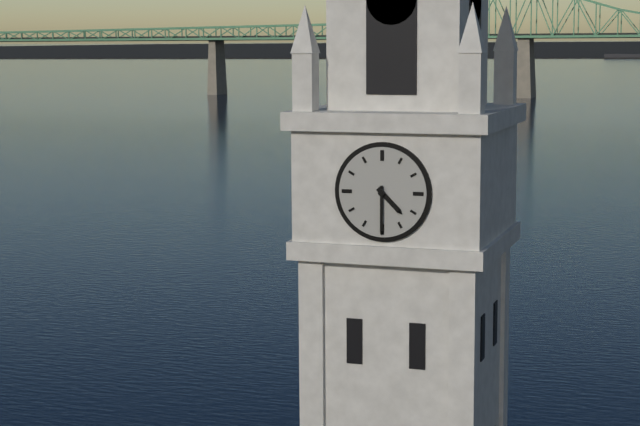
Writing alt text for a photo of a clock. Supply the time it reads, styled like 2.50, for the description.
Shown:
4.30
